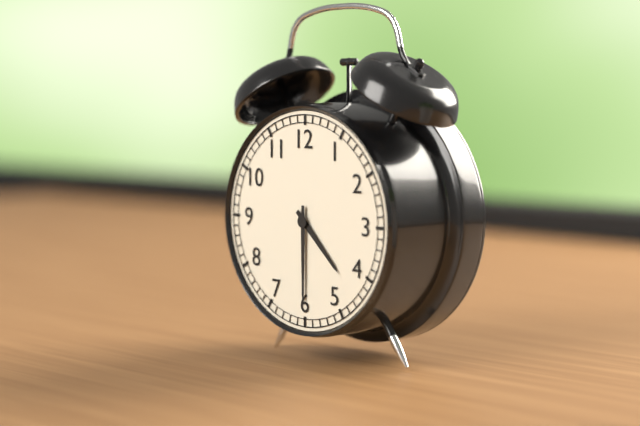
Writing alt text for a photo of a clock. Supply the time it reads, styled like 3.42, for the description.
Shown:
4.30
